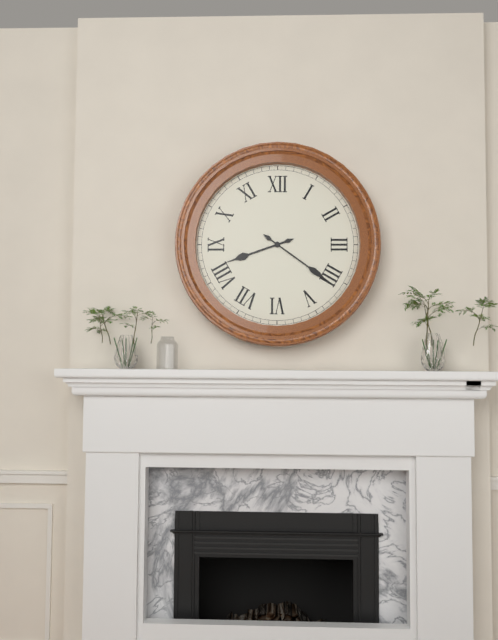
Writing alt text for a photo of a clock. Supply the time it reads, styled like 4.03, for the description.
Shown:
8.21
